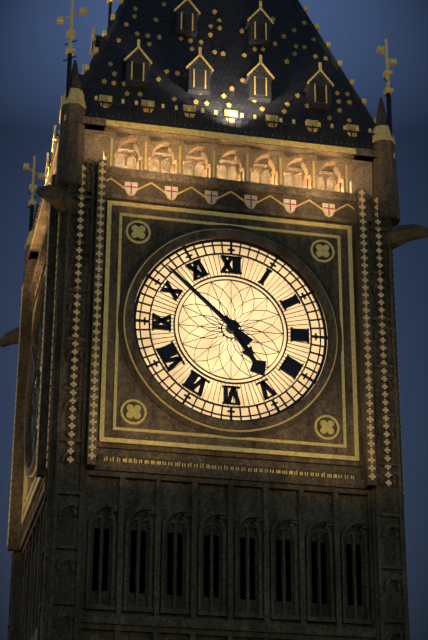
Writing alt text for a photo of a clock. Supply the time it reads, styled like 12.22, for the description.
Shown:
4.52
